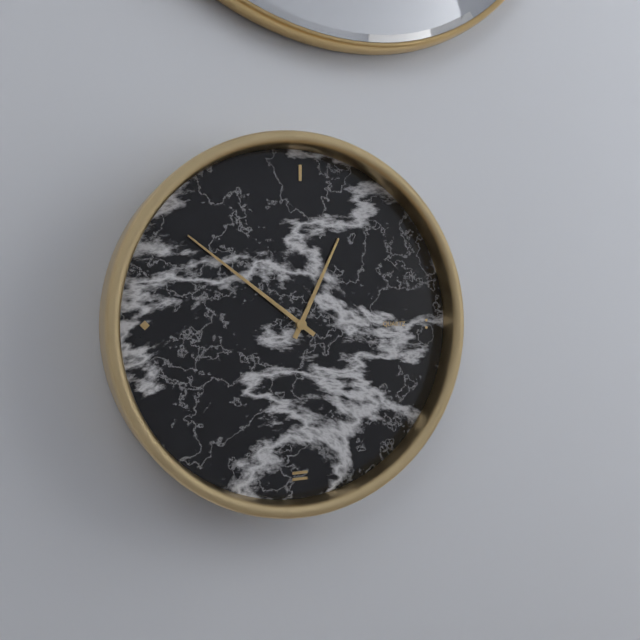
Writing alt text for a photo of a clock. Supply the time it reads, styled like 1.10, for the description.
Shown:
12.51
